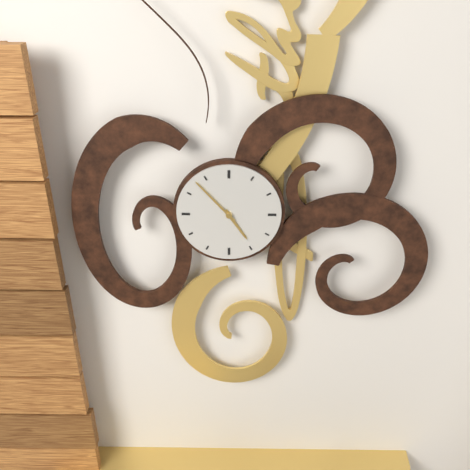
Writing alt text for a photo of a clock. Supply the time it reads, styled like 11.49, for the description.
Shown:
4.53
